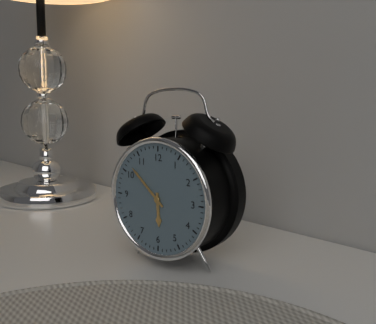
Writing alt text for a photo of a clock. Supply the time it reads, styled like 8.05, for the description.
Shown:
5.52
